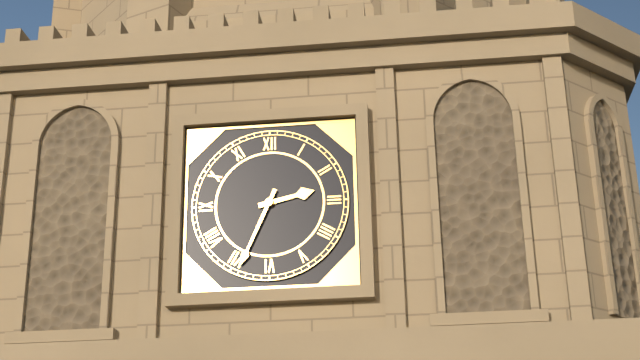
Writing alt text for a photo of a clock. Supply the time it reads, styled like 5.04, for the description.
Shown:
2.34
